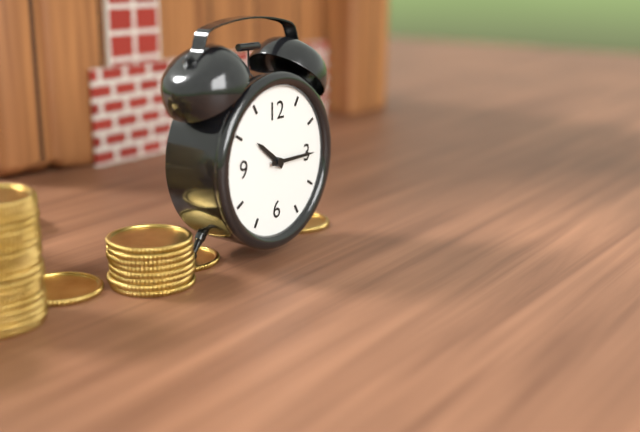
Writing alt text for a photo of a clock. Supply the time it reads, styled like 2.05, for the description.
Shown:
10.15
